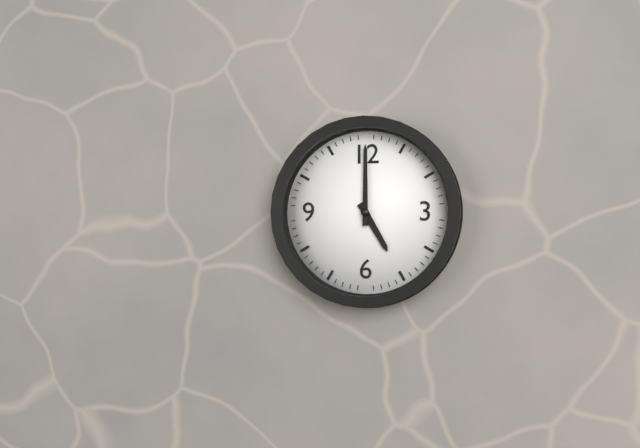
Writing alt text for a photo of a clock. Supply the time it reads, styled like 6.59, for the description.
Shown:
5.00
